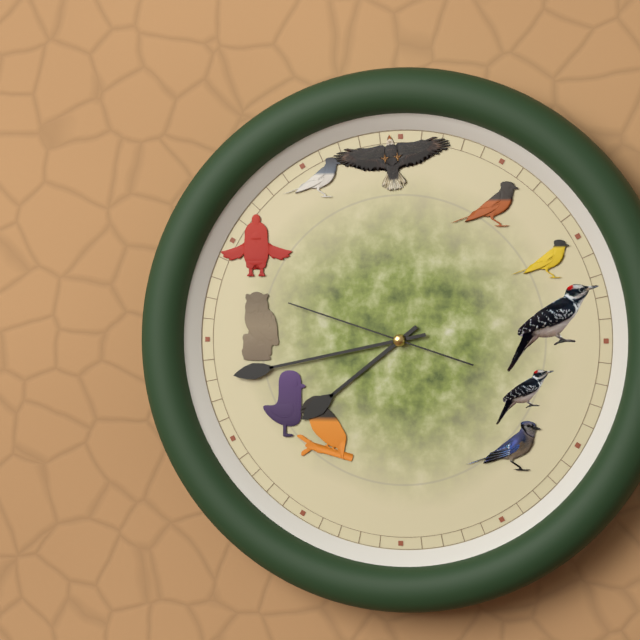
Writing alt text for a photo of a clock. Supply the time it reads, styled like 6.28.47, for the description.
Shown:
7.43.48
